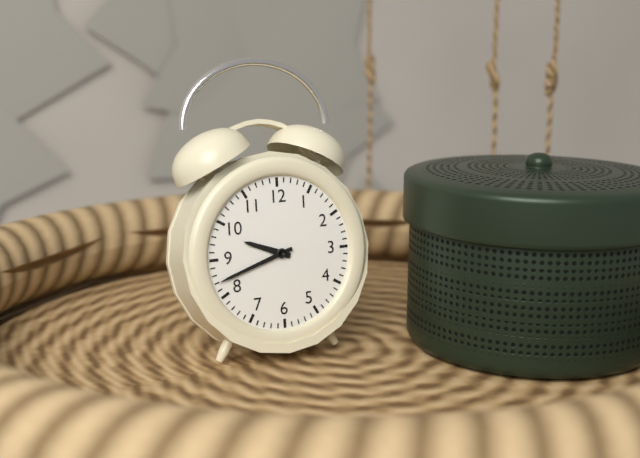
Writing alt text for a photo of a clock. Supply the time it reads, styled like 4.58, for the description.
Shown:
9.42
